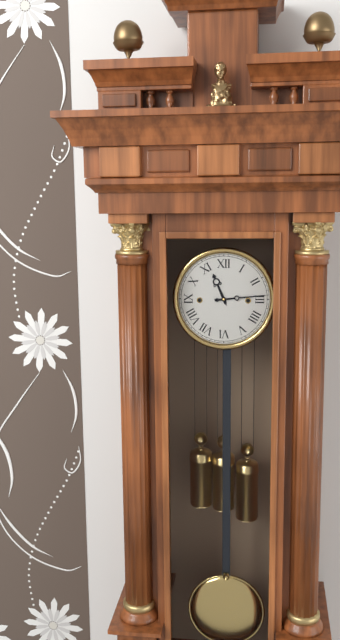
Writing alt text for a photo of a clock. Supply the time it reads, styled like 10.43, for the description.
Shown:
11.14
